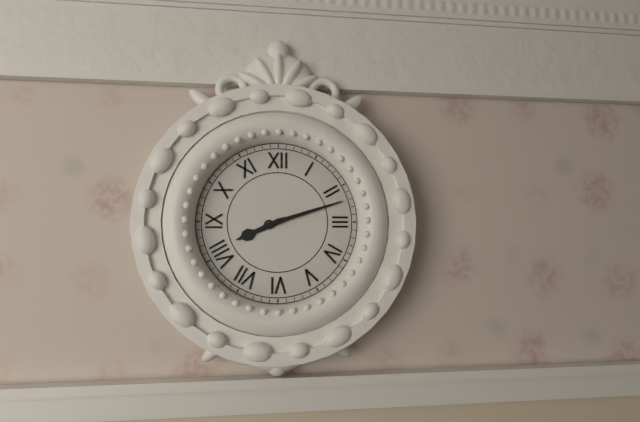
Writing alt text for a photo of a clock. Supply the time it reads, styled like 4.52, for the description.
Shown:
8.12
